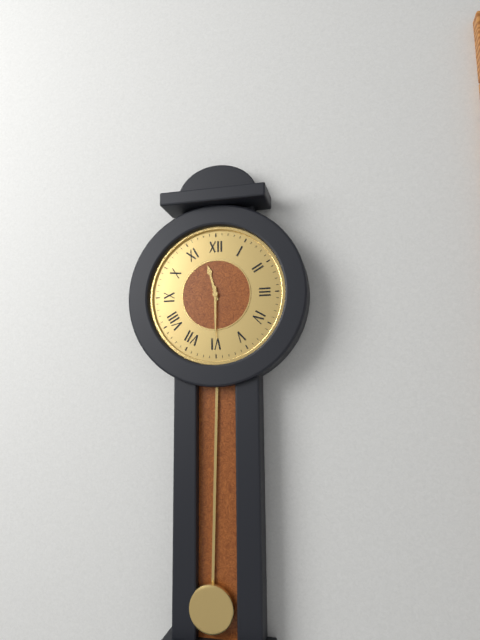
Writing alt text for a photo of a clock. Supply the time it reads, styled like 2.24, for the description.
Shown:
11.30
